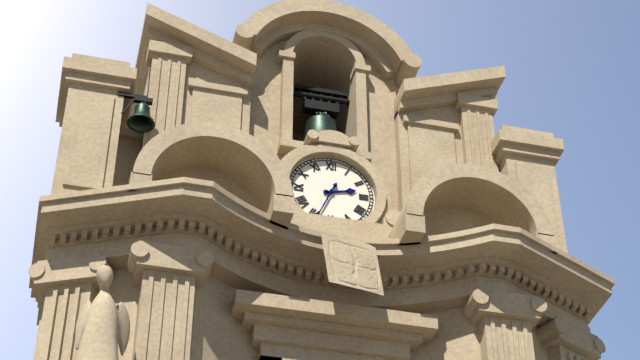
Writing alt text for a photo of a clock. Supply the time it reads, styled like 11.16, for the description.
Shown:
2.34
